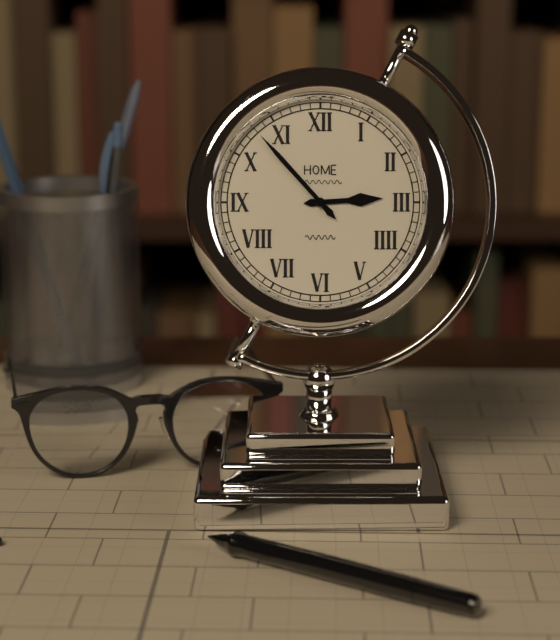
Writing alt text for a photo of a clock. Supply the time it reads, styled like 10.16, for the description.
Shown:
2.53
